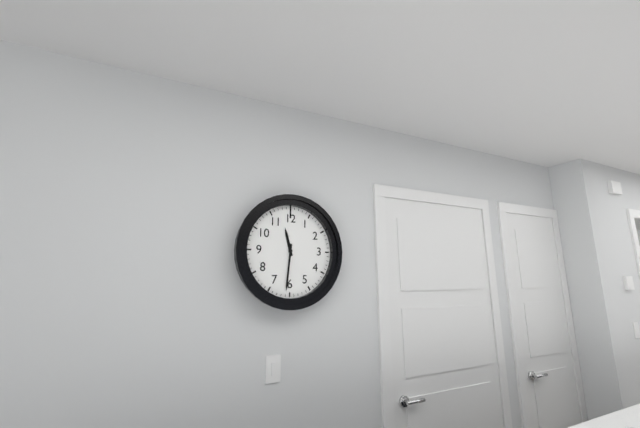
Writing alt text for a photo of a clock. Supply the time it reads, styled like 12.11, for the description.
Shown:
11.31
